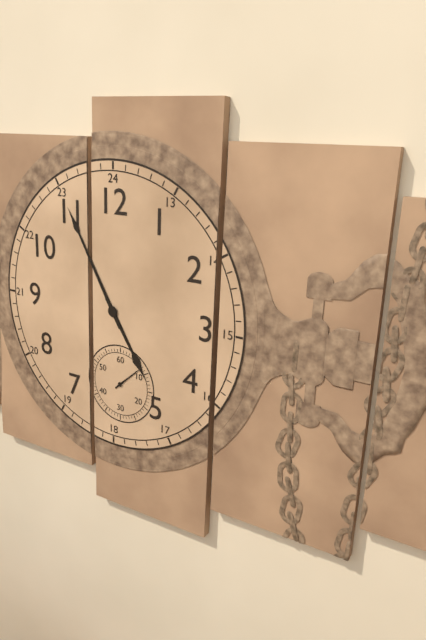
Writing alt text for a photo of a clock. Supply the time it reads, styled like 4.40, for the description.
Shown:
4.55
